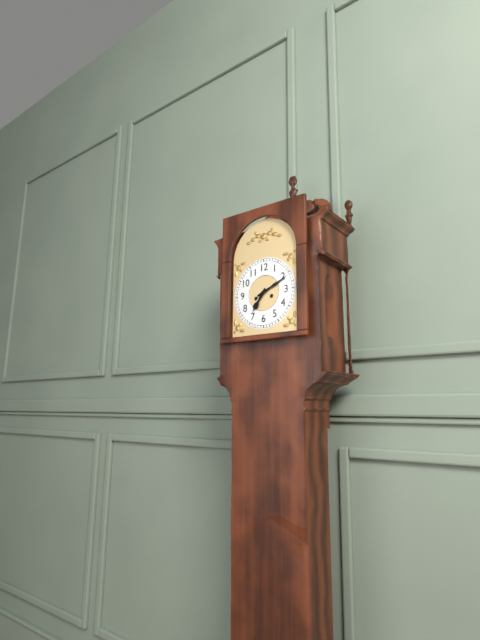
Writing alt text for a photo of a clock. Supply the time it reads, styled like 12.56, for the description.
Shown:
7.11
